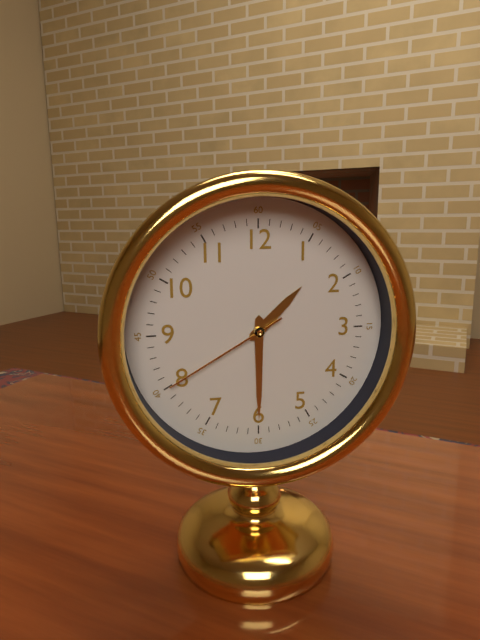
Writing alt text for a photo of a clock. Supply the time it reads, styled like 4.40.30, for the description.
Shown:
1.30.40
